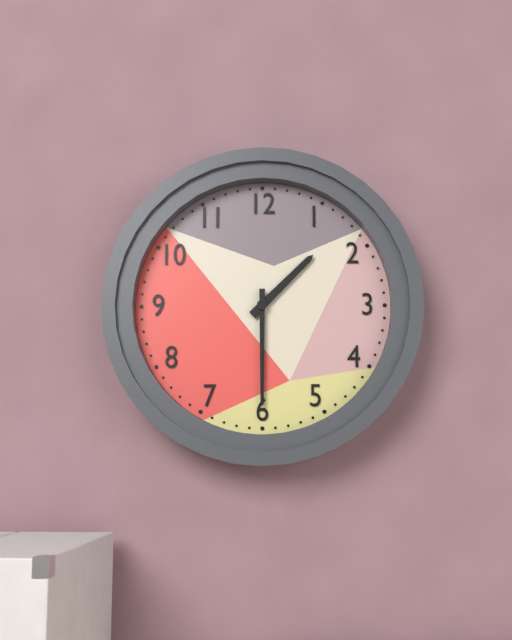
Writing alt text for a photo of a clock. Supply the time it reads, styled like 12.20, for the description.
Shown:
1.30
